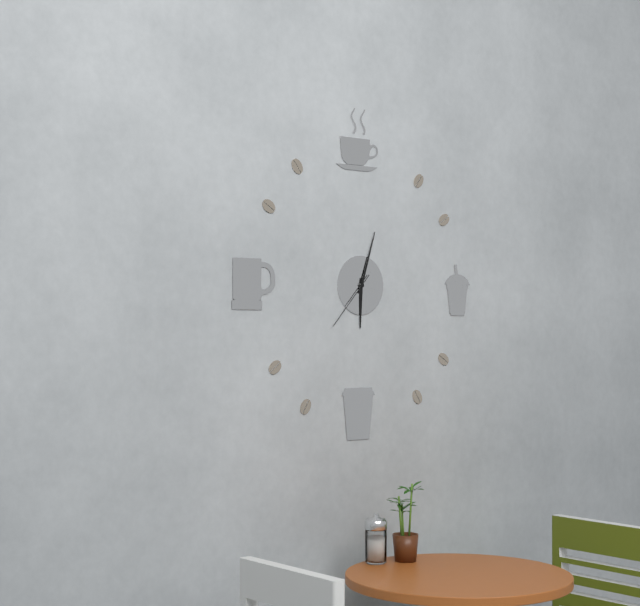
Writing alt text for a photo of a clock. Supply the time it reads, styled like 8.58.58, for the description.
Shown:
6.03.37
